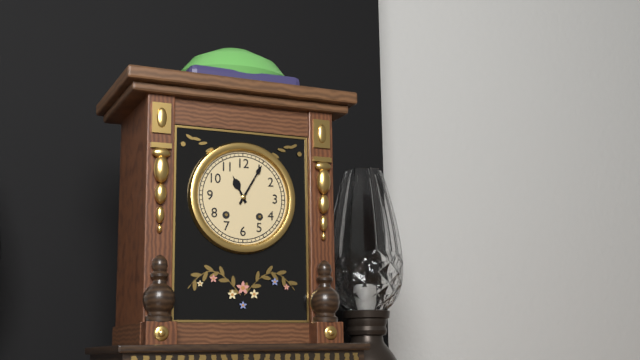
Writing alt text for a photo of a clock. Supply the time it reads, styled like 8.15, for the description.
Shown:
11.05
